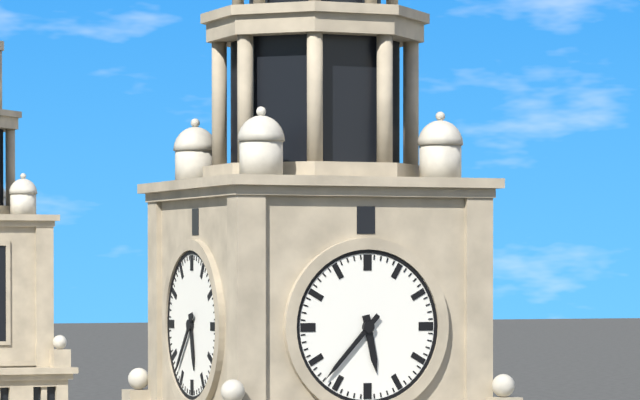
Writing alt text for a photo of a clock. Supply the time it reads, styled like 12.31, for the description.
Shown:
5.37
